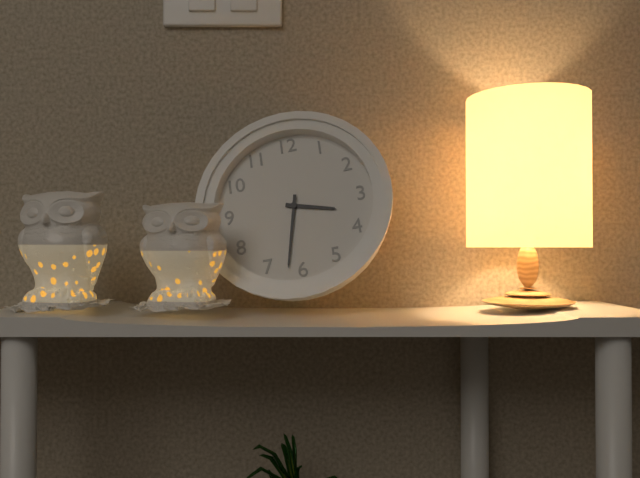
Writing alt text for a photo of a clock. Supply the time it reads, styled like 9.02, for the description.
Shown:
3.32
